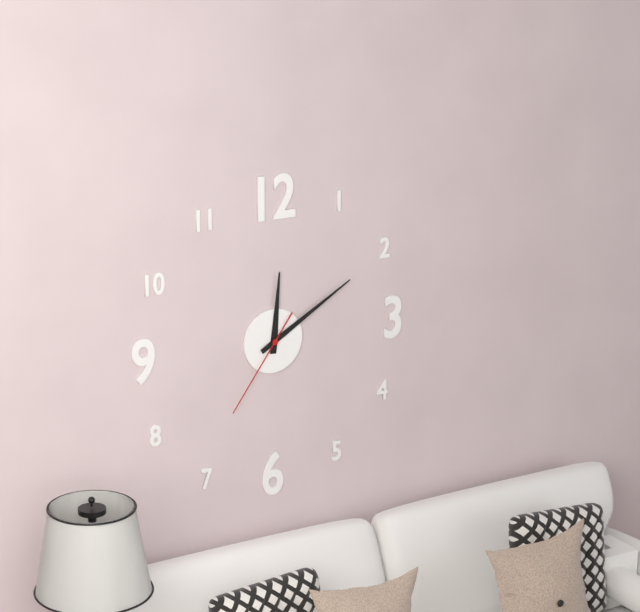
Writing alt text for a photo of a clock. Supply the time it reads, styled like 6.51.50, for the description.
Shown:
12.10.36
